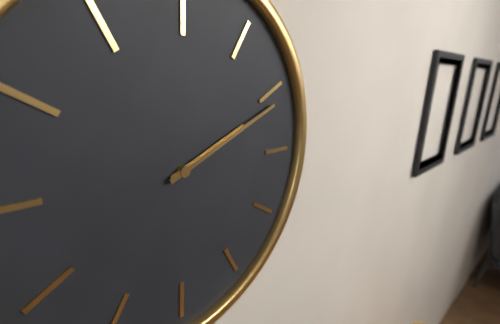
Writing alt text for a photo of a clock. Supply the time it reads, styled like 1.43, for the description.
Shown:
2.11
